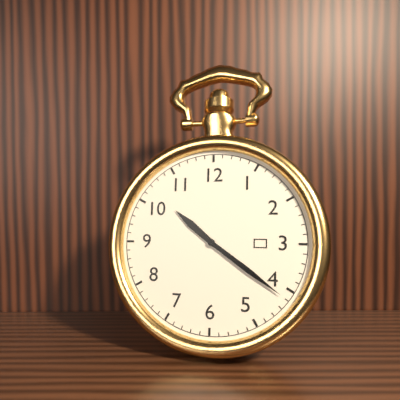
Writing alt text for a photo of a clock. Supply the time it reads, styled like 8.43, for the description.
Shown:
10.21
